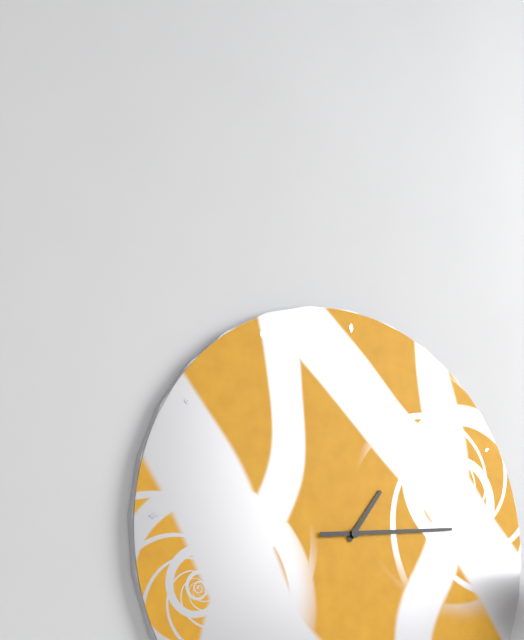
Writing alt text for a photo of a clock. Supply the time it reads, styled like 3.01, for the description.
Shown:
1.14
